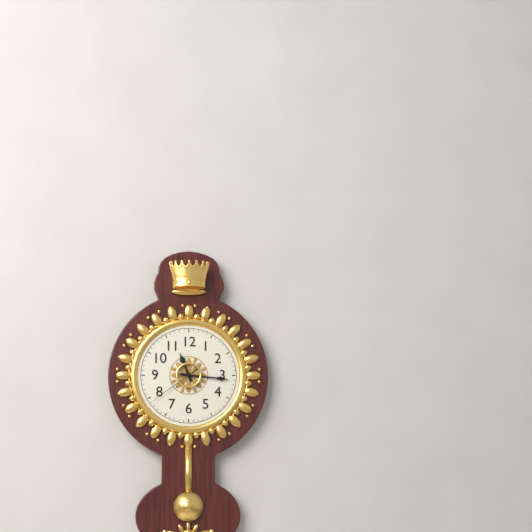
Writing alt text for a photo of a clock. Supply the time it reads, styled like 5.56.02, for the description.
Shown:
11.16.39
